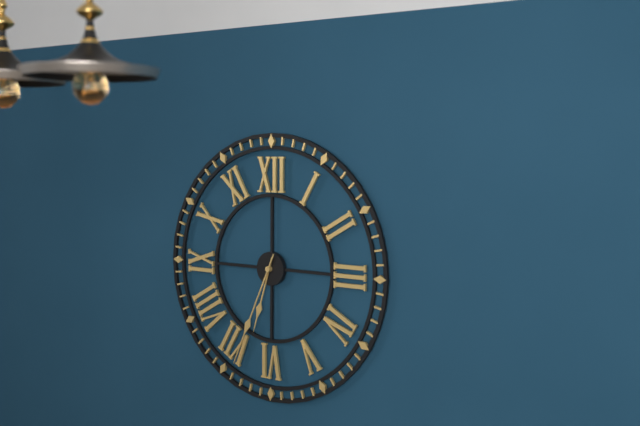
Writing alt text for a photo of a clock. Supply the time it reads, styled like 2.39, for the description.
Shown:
6.34
